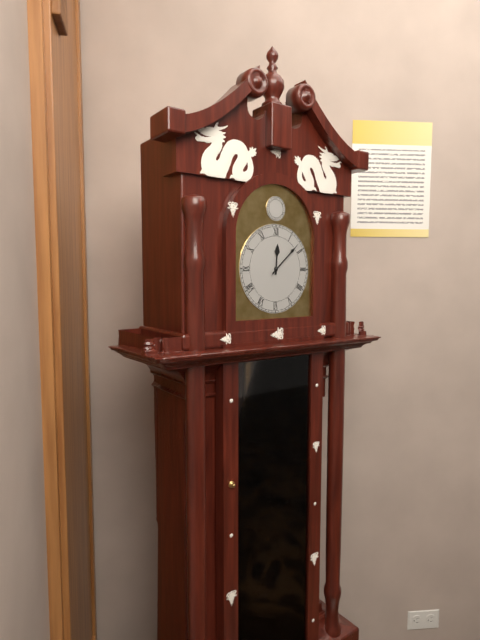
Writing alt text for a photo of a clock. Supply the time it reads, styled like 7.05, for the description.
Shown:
12.08
